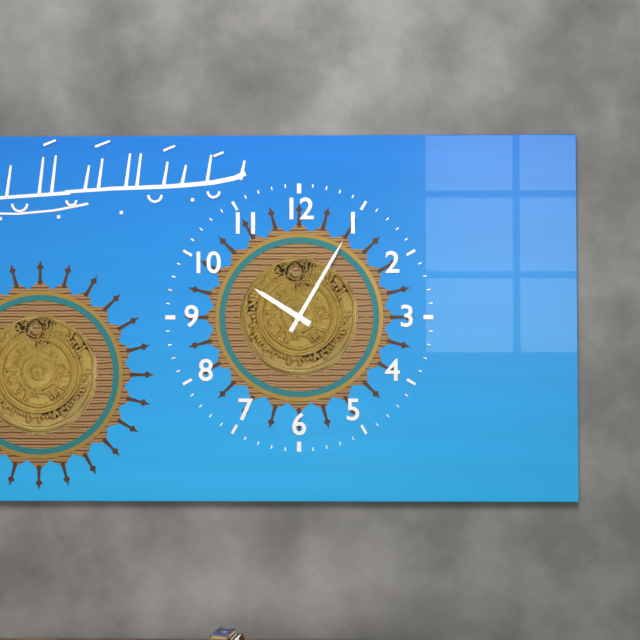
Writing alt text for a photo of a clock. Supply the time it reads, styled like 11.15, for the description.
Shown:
10.05
